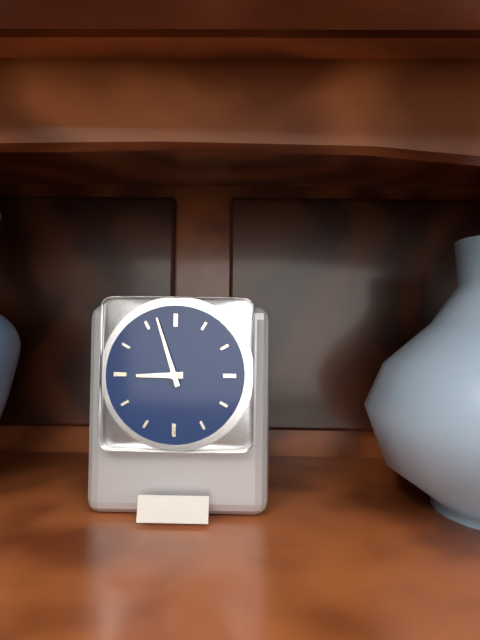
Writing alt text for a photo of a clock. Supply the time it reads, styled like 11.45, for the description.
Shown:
8.57
